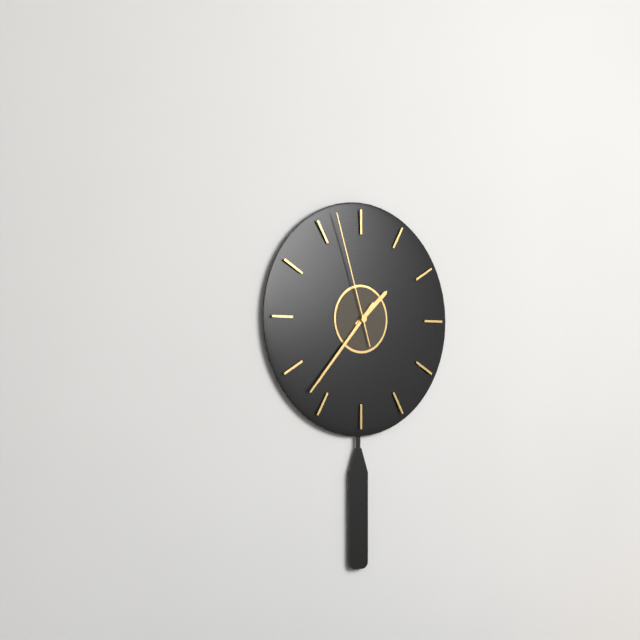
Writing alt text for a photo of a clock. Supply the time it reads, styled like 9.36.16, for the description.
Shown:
1.37.57
